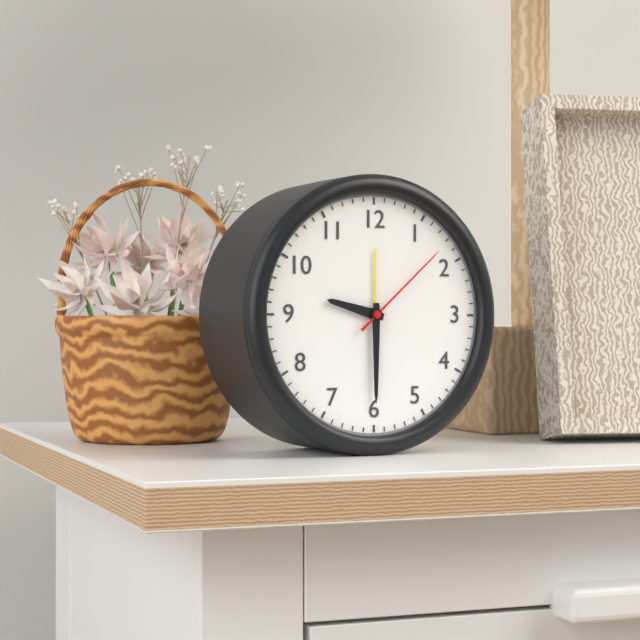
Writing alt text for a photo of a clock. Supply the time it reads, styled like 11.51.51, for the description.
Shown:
9.30.08
